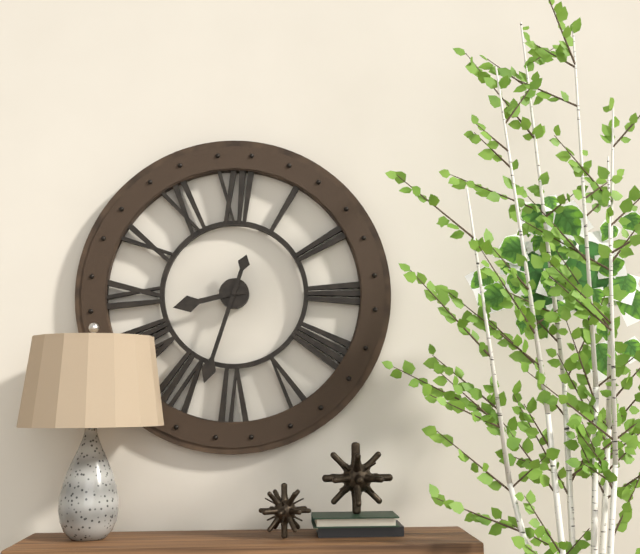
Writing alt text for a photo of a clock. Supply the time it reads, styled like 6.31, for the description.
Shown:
8.33
